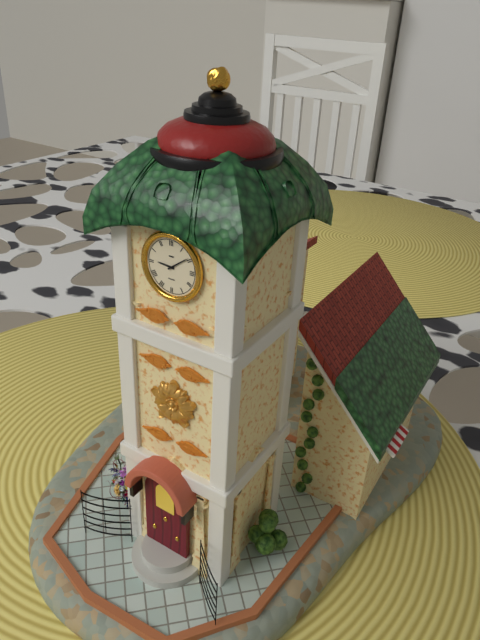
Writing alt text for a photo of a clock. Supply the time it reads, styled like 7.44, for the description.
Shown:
9.09
